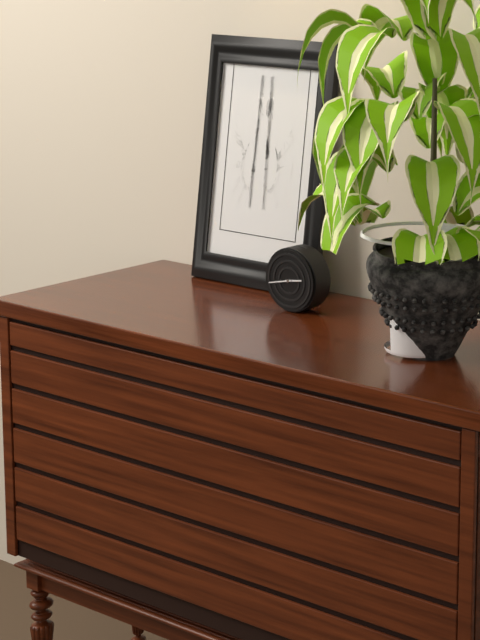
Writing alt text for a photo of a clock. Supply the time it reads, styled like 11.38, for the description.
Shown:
2.43
